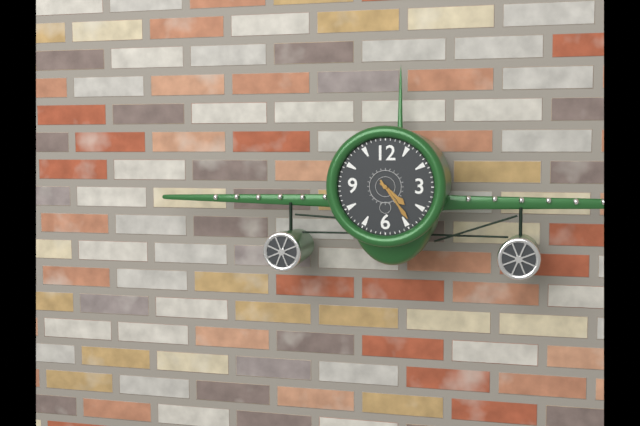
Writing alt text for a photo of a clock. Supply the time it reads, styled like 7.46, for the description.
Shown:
4.24
